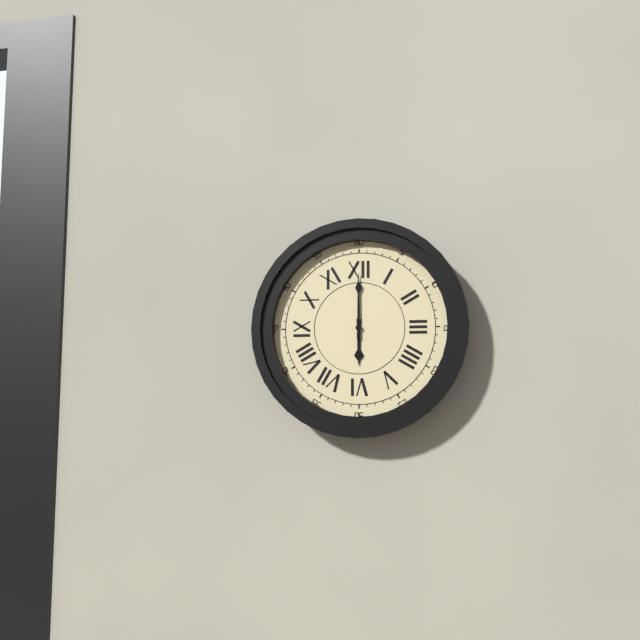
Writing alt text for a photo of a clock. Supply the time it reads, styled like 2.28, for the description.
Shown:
6.00
